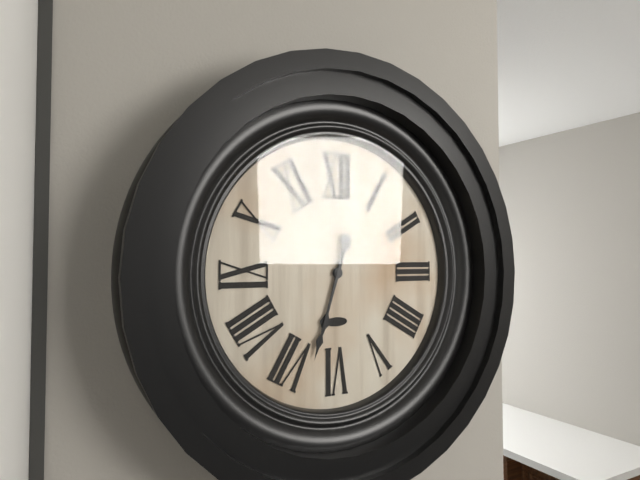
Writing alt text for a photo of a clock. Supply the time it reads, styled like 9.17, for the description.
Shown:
6.33
